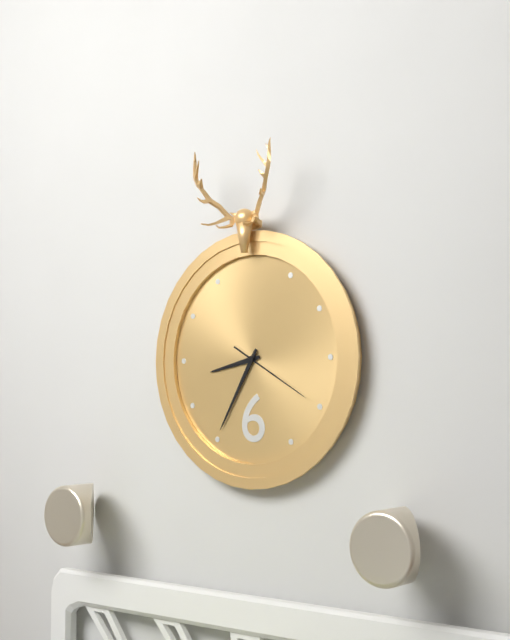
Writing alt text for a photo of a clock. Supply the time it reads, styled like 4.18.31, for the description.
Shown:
8.35.20
